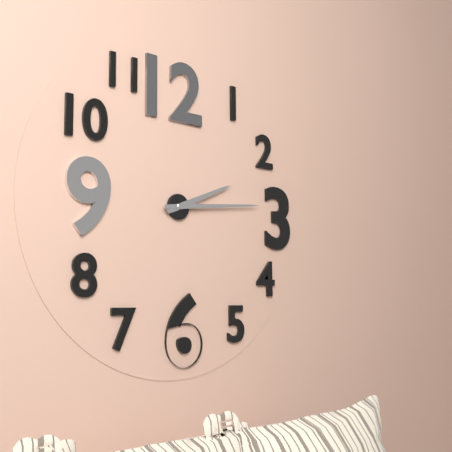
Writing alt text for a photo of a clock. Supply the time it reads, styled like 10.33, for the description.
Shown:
2.14
